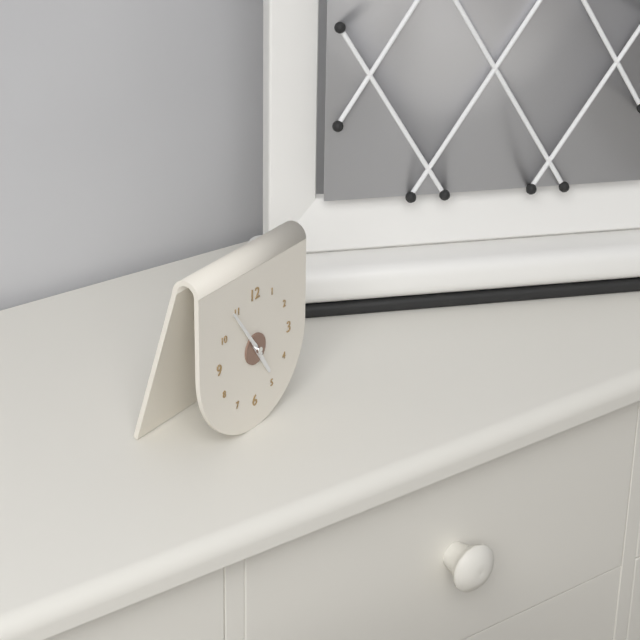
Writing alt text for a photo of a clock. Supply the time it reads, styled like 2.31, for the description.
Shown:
4.54
